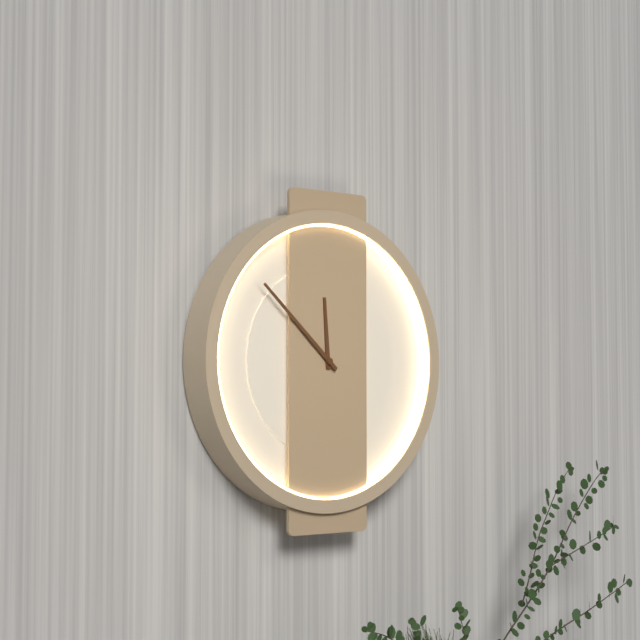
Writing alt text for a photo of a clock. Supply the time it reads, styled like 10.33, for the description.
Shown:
11.52
